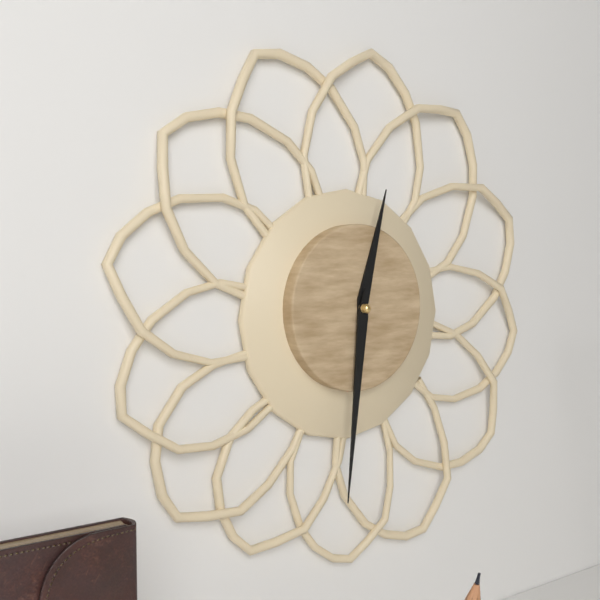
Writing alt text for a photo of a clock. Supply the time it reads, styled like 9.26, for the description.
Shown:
12.31
